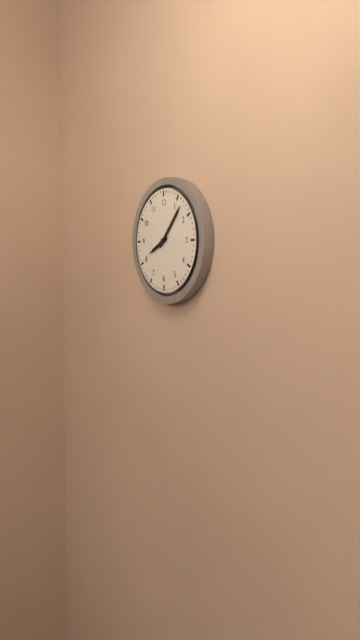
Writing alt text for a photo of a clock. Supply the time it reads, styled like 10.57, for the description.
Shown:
8.07
